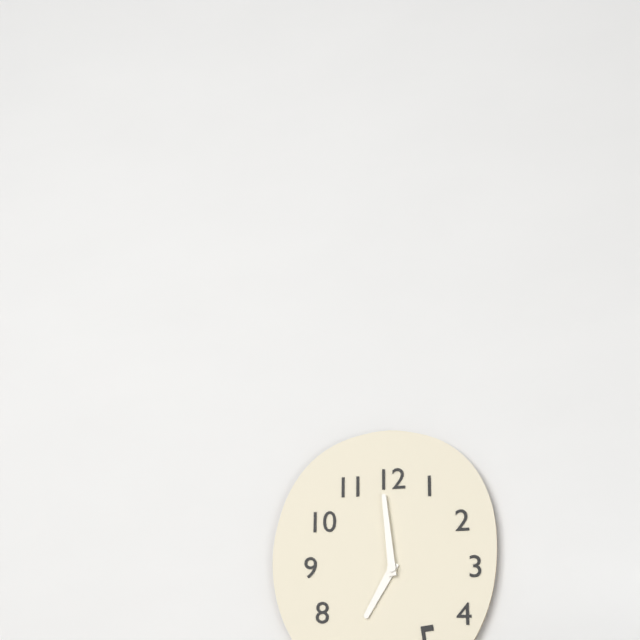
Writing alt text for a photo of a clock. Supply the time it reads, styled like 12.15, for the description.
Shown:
6.59
